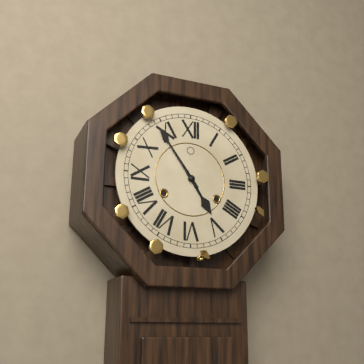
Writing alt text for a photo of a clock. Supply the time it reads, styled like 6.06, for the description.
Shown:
4.54
